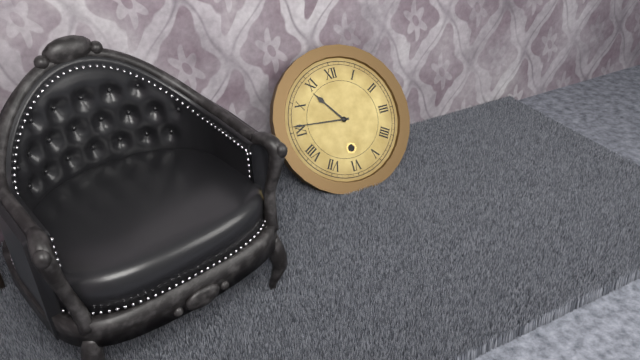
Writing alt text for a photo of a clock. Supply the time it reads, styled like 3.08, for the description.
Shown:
10.46
